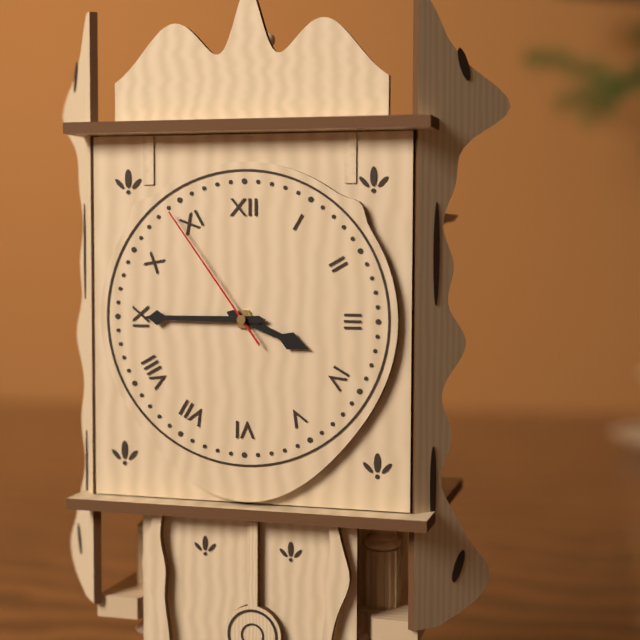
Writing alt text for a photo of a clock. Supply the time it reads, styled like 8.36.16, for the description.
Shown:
3.45.54
